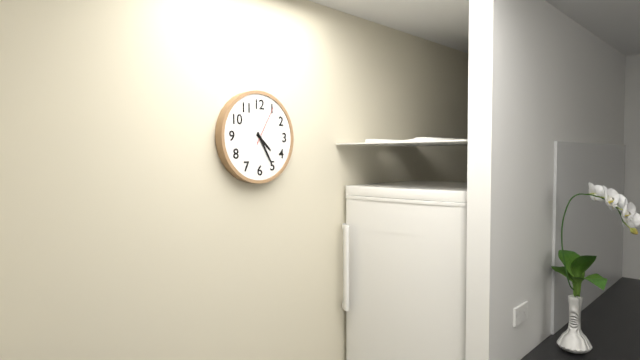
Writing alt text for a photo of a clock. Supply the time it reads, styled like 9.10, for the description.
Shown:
4.25
